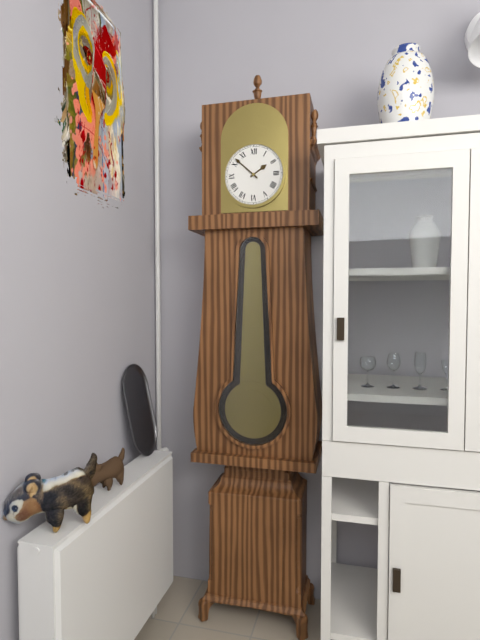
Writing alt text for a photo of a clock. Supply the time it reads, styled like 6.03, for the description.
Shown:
1.52
